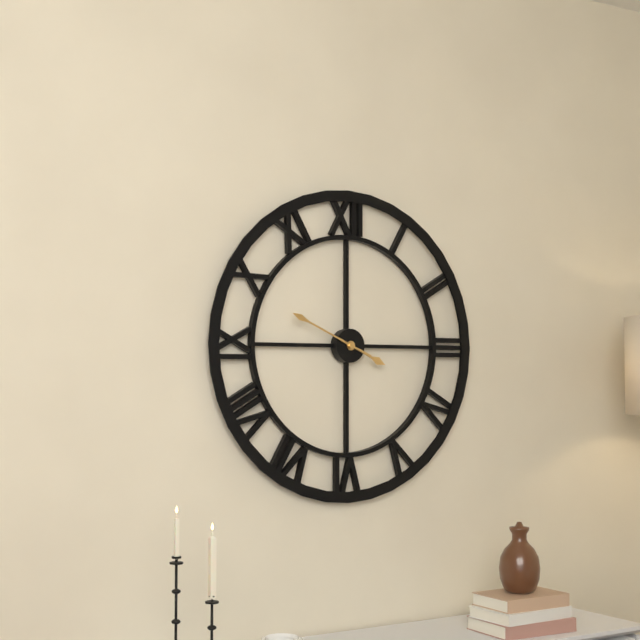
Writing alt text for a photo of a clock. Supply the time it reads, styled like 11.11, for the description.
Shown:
3.49
